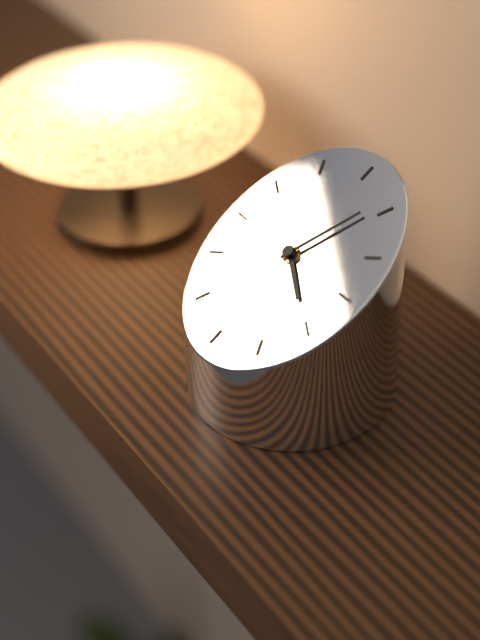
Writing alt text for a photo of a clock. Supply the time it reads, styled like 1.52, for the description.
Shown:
4.04
